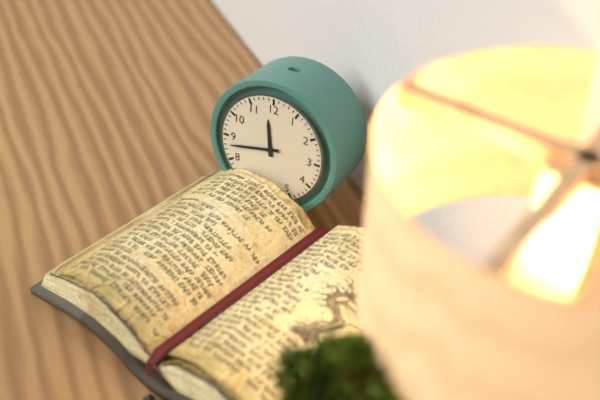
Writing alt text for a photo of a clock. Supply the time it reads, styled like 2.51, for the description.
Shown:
11.43
